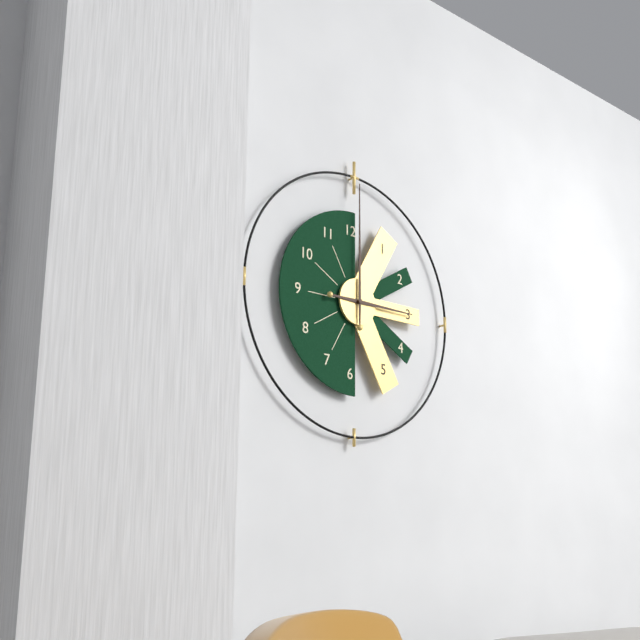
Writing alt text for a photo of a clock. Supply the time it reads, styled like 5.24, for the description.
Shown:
3.00
